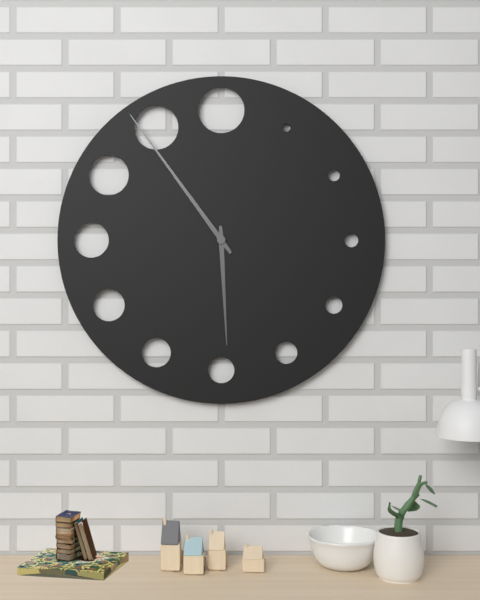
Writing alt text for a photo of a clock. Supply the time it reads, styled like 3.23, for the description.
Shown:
5.54
